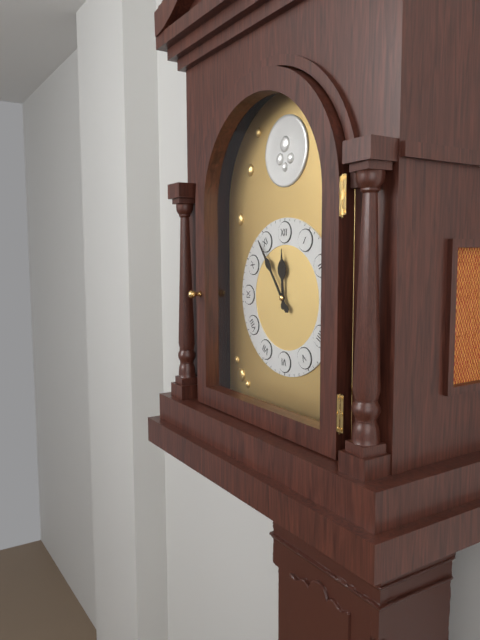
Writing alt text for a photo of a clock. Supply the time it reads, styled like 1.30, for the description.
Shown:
11.54
